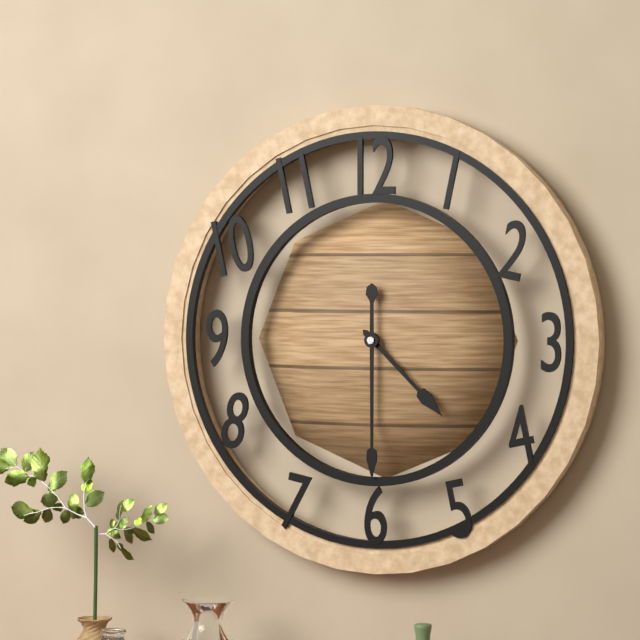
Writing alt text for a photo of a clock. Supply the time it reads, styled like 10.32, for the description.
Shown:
4.30
